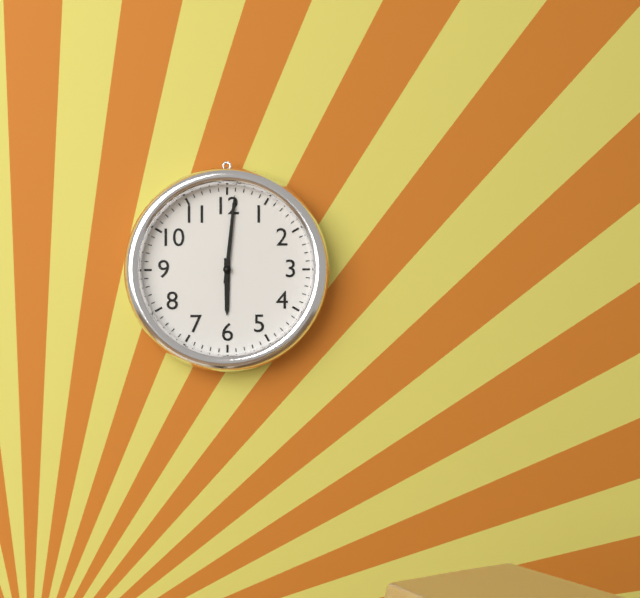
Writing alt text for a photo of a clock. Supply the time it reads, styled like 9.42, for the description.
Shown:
6.01
